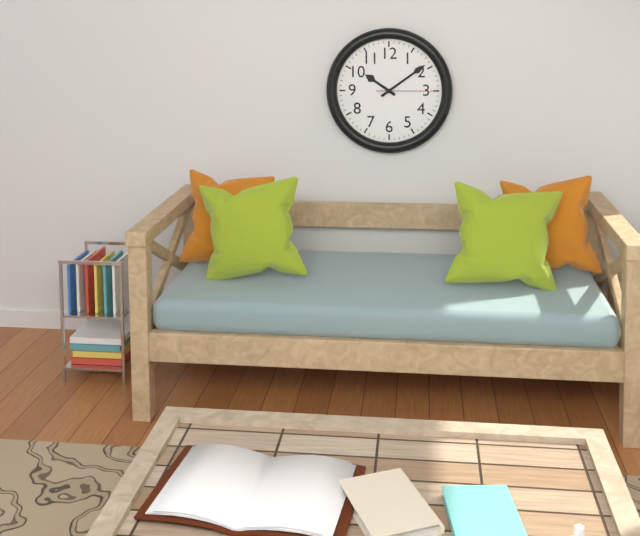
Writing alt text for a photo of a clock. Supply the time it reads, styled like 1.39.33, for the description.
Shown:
10.09.15
